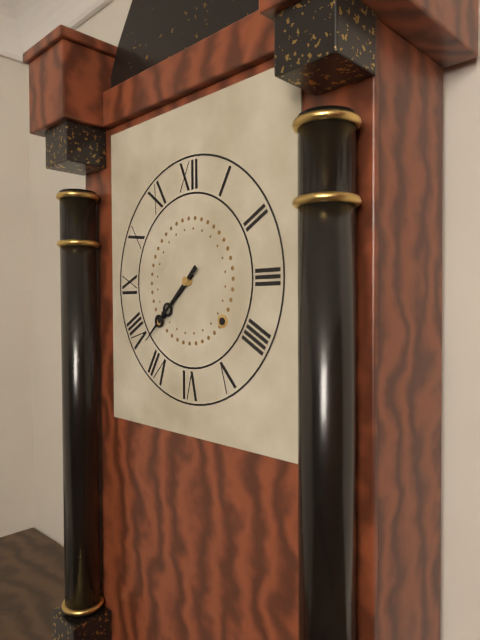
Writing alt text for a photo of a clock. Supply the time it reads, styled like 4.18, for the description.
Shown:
7.38
